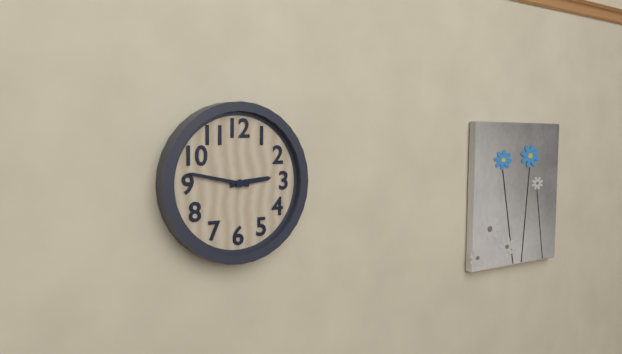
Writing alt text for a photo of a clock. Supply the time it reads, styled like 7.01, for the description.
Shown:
2.47
